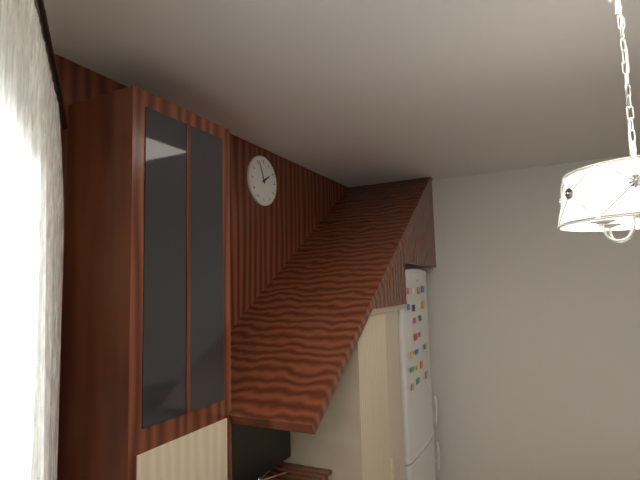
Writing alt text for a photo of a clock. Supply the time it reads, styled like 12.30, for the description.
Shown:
1.56
